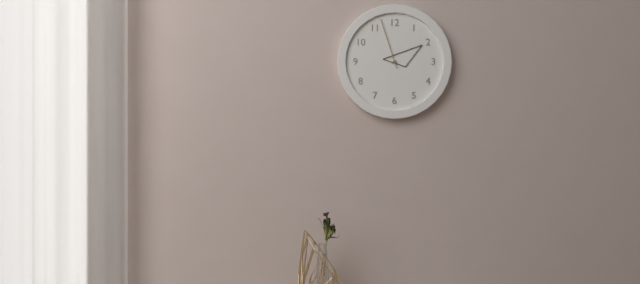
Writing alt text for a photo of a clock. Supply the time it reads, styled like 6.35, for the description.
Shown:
1.57
